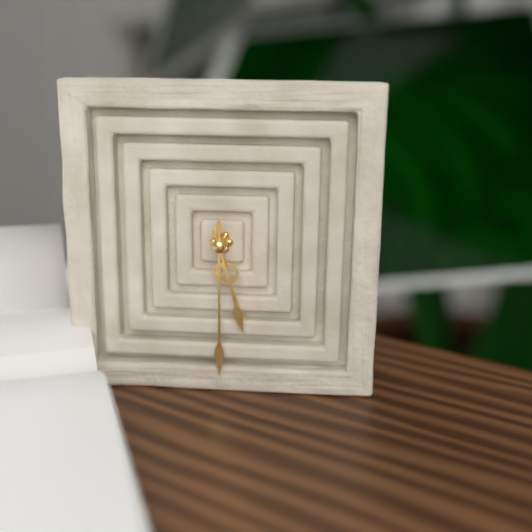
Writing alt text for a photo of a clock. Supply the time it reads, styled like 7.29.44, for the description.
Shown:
5.30.27
